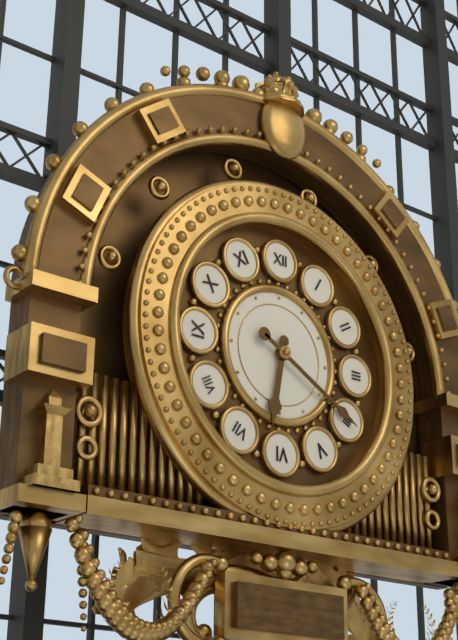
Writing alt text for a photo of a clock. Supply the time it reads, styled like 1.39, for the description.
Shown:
6.20
